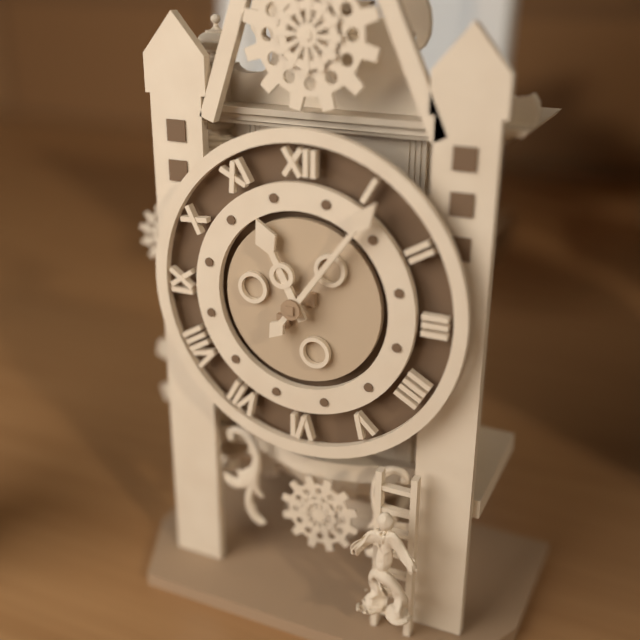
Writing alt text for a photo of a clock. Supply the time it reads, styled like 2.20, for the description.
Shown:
11.06
